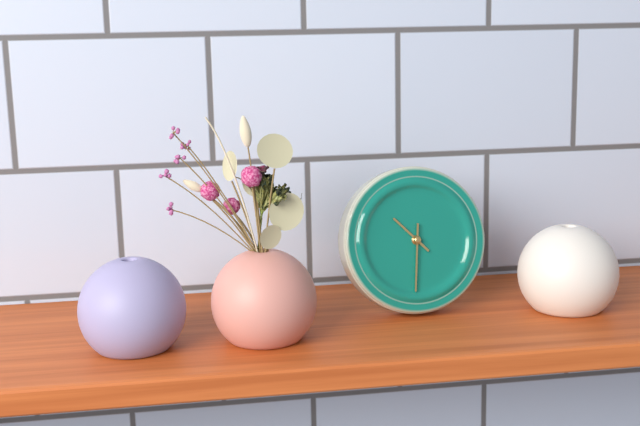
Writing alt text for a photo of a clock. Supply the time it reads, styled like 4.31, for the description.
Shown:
10.31
